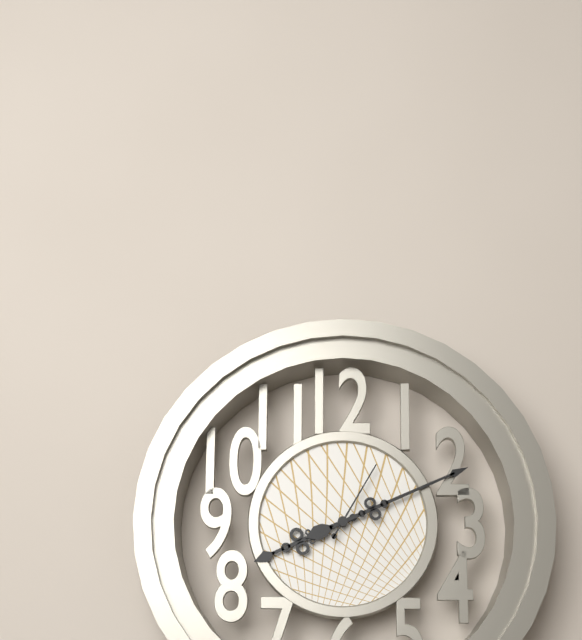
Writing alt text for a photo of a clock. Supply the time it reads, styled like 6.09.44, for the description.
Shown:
8.11.05
